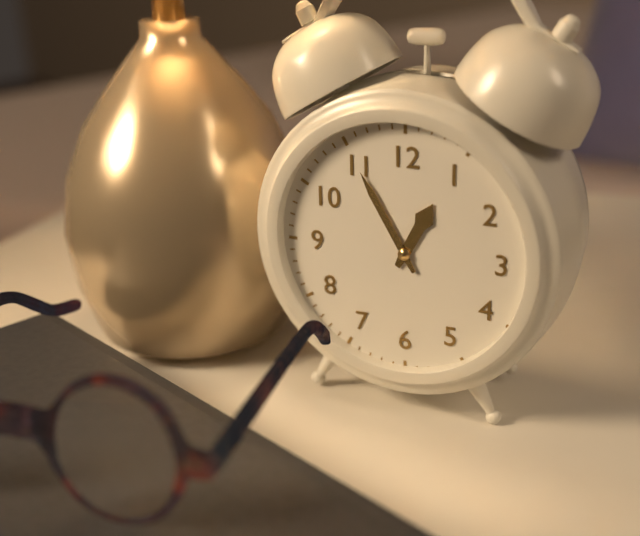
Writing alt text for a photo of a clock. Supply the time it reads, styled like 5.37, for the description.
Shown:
12.55
